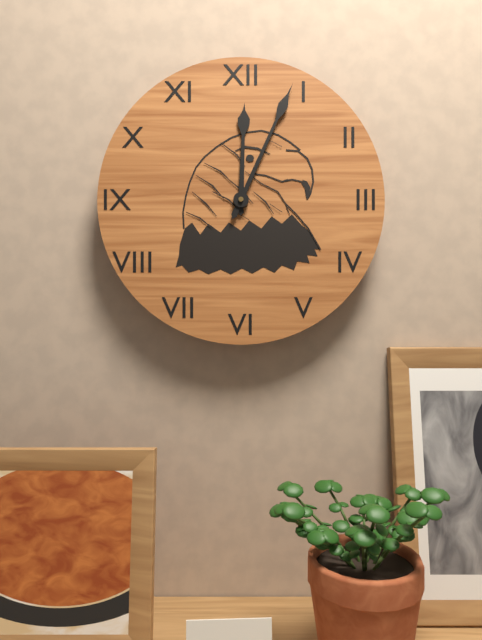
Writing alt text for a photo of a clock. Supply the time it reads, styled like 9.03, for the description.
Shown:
12.04
